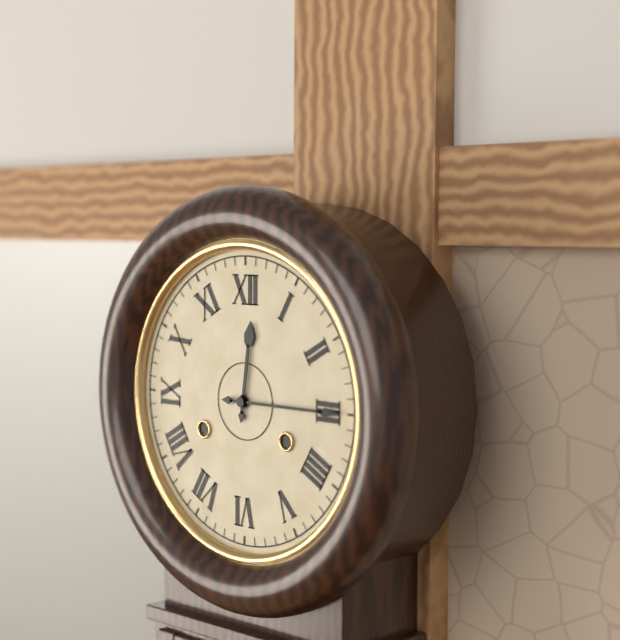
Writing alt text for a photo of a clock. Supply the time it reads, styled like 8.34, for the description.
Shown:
12.15
